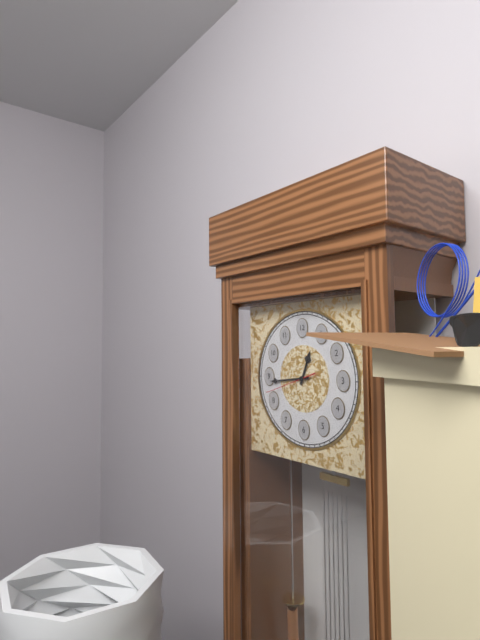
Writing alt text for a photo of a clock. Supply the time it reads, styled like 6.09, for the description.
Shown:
12.44
